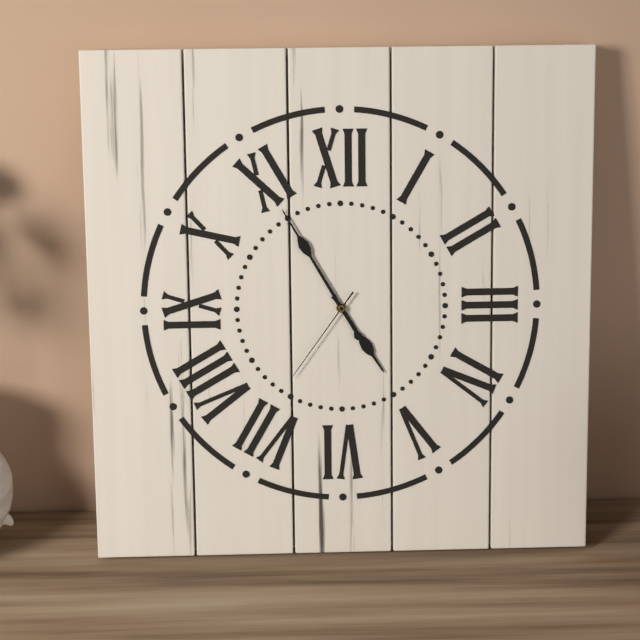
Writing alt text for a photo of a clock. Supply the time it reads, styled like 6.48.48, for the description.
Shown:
4.55.36
